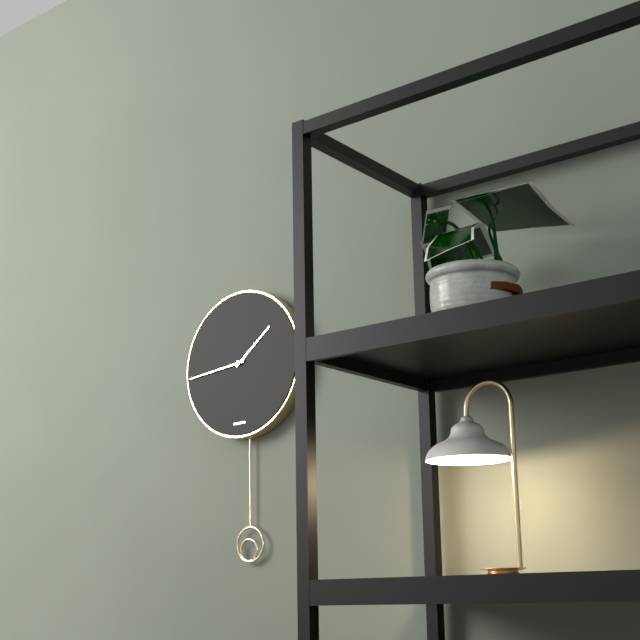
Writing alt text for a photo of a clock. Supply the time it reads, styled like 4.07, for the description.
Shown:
1.44
